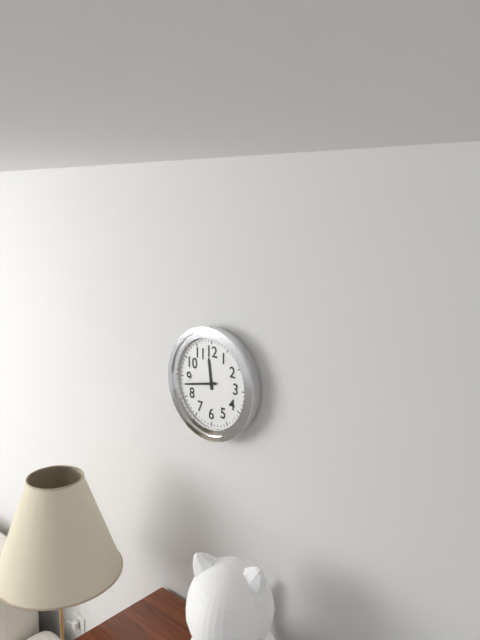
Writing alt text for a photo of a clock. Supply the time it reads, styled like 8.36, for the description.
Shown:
11.43
